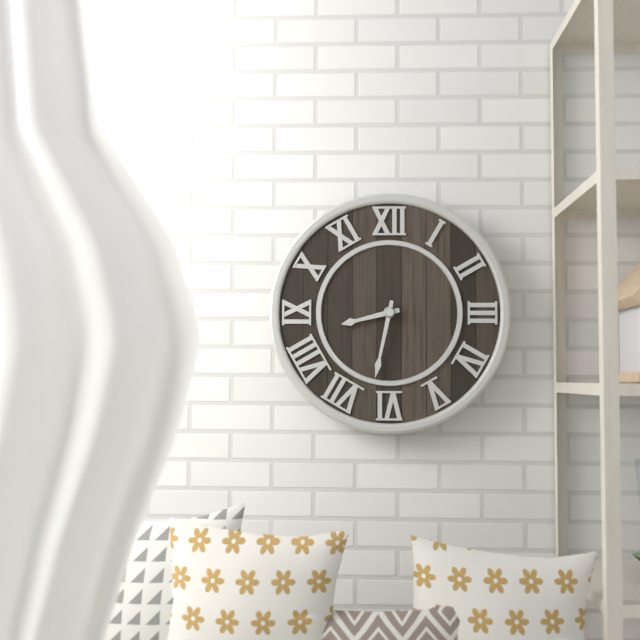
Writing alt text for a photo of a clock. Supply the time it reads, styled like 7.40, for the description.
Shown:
8.32
